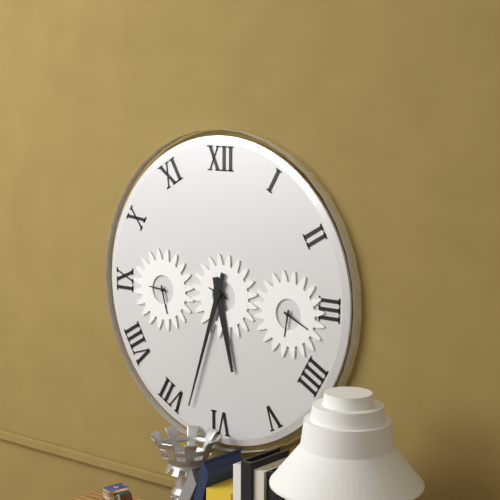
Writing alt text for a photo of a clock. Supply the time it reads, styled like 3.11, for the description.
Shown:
5.33
